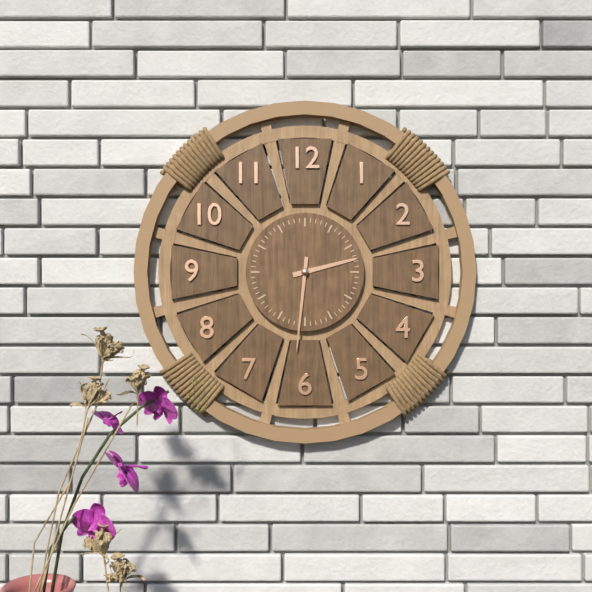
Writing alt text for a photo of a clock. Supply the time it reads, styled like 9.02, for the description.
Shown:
2.31
